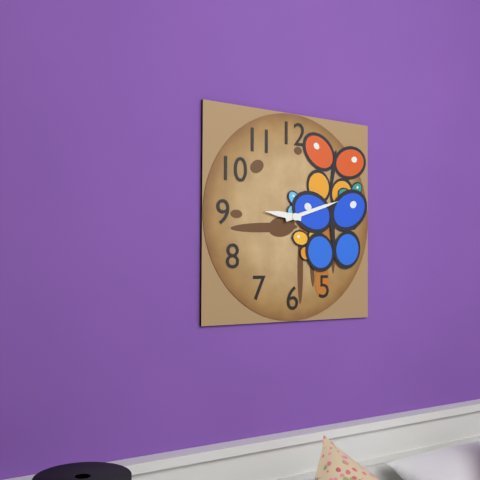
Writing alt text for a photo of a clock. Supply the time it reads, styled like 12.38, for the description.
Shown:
9.12
